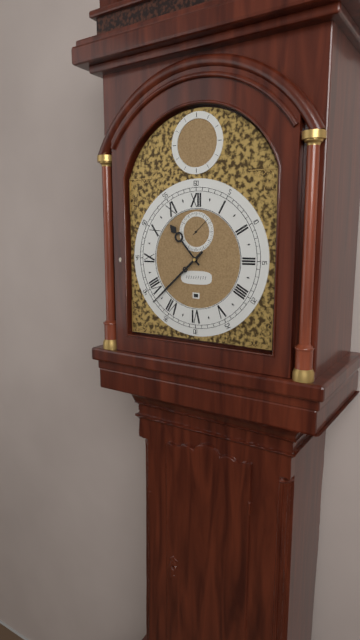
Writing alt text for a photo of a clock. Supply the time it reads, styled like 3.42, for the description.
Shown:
10.38
